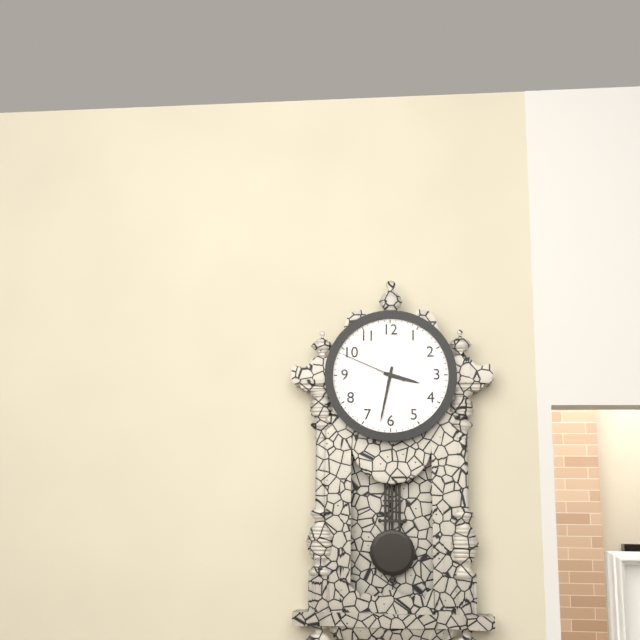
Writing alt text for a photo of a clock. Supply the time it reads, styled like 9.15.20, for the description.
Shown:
3.32.49
